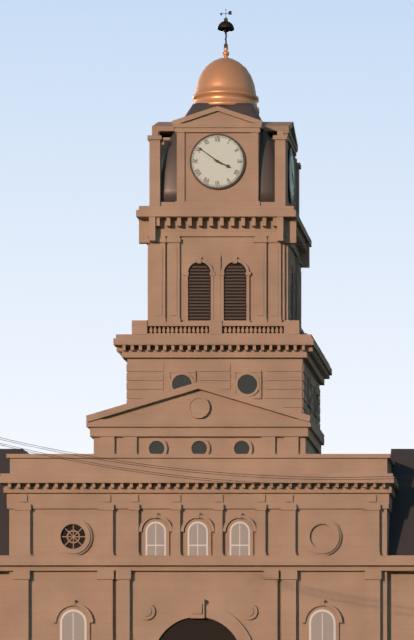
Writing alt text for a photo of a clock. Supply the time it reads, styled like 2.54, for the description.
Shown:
3.51
